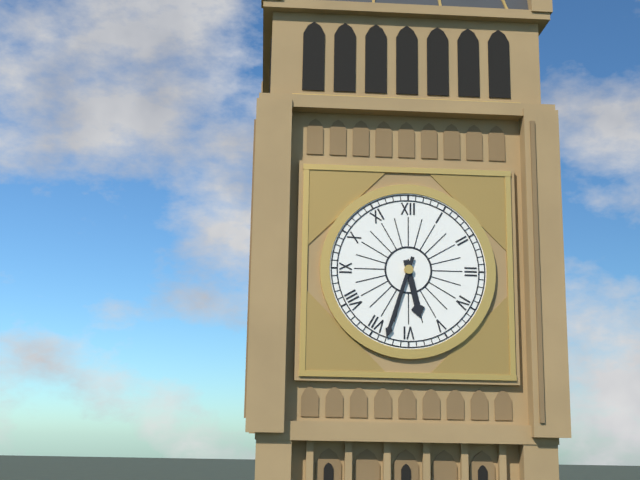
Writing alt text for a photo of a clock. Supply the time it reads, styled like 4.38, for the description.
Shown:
5.33
